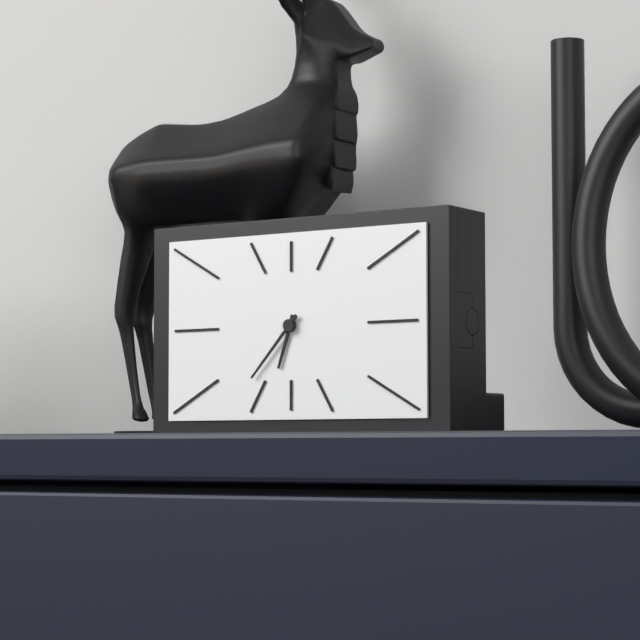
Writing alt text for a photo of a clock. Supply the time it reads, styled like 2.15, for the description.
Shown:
6.37
